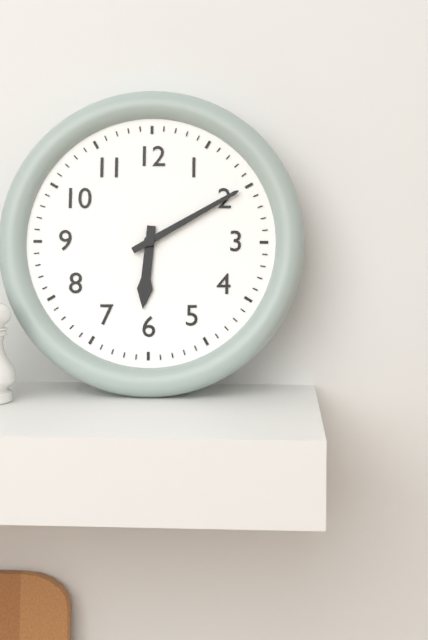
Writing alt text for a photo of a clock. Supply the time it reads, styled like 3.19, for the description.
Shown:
6.10
